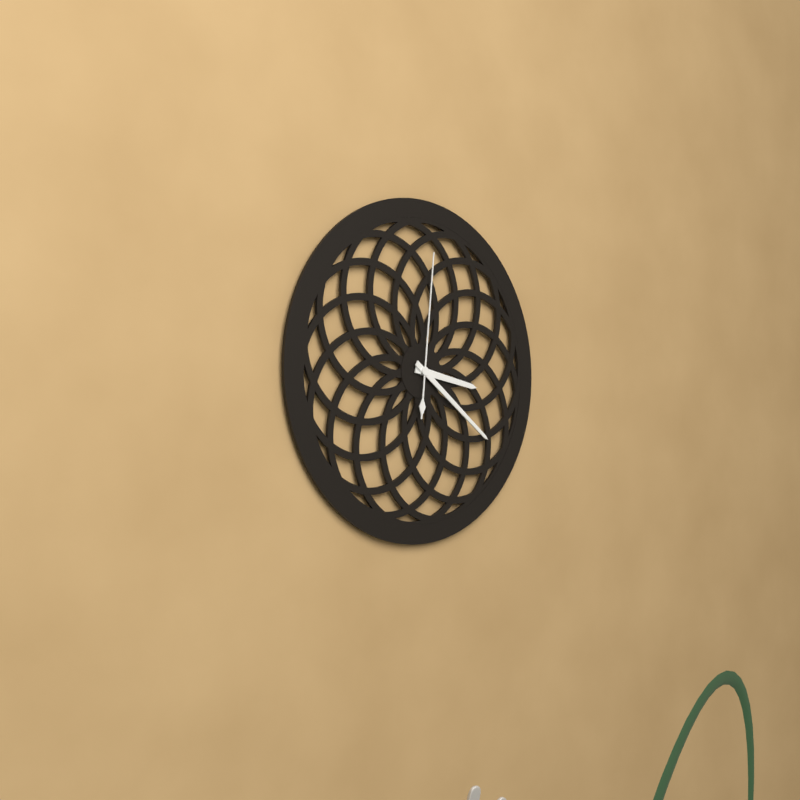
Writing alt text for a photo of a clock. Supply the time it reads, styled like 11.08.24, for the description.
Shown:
3.21.01
